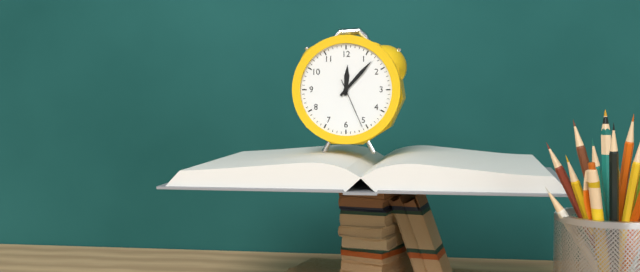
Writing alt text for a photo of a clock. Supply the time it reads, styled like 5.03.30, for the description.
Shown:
12.07.26
